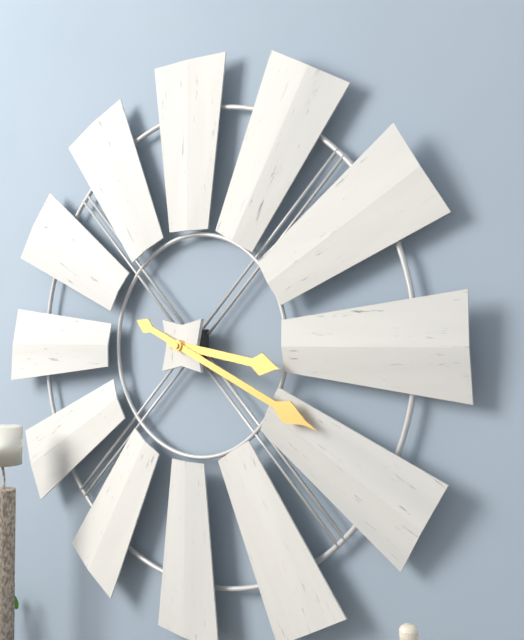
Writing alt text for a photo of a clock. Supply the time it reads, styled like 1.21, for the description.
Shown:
3.19
